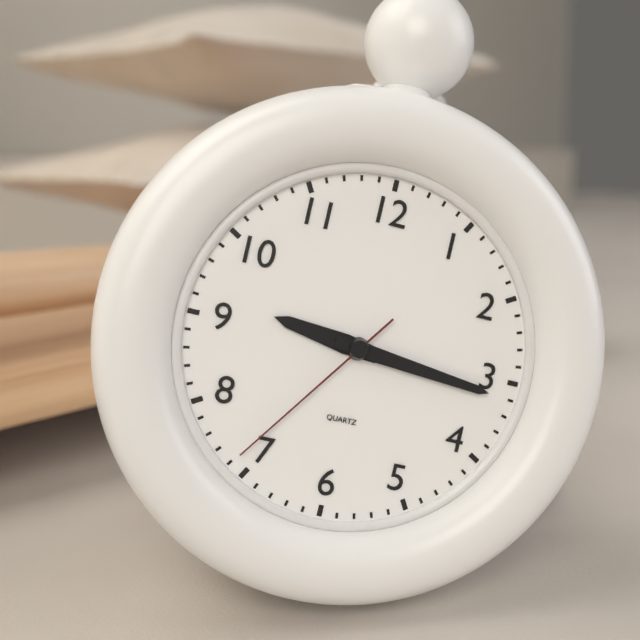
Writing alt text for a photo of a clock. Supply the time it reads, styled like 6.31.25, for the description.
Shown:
9.16.36
